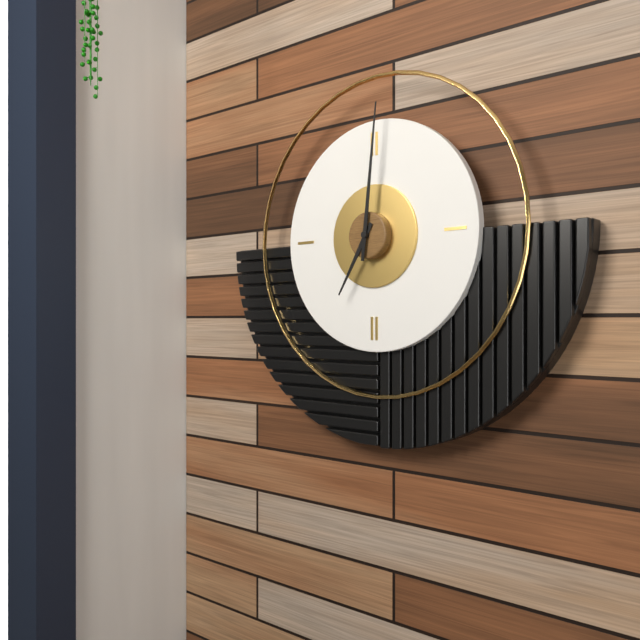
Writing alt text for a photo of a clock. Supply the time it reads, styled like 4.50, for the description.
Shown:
7.01
